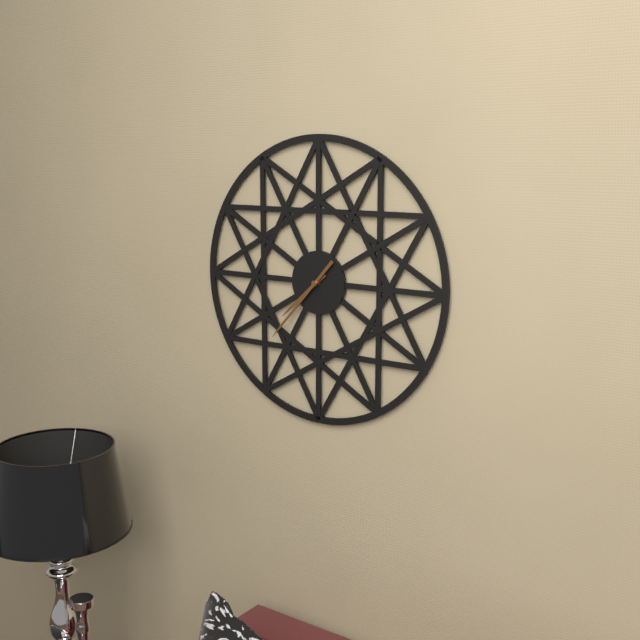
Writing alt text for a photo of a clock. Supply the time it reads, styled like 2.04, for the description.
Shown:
7.37
